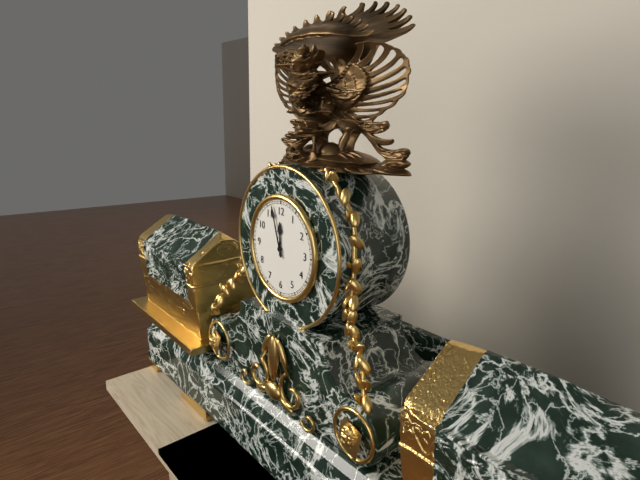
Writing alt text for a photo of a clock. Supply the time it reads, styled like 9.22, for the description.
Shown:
11.57
